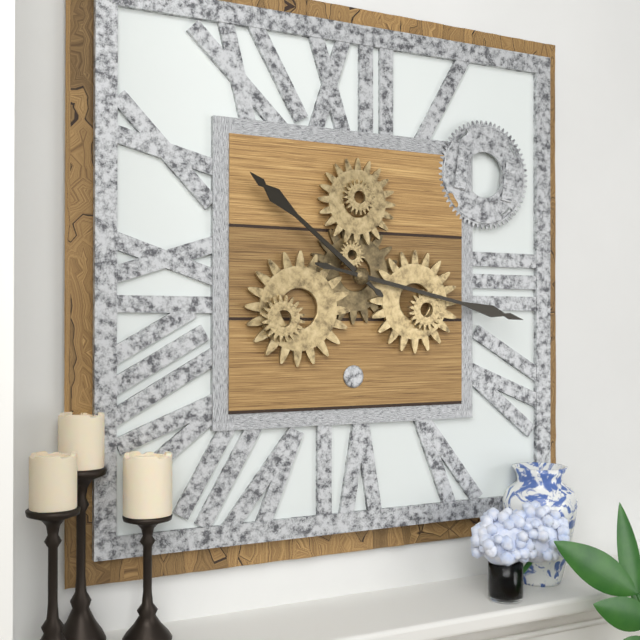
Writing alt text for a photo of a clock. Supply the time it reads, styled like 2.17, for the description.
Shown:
10.17
